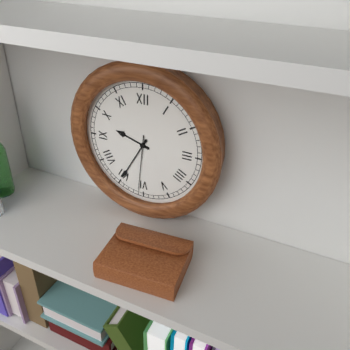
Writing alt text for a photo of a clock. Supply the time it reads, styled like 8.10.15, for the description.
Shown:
9.35.31
